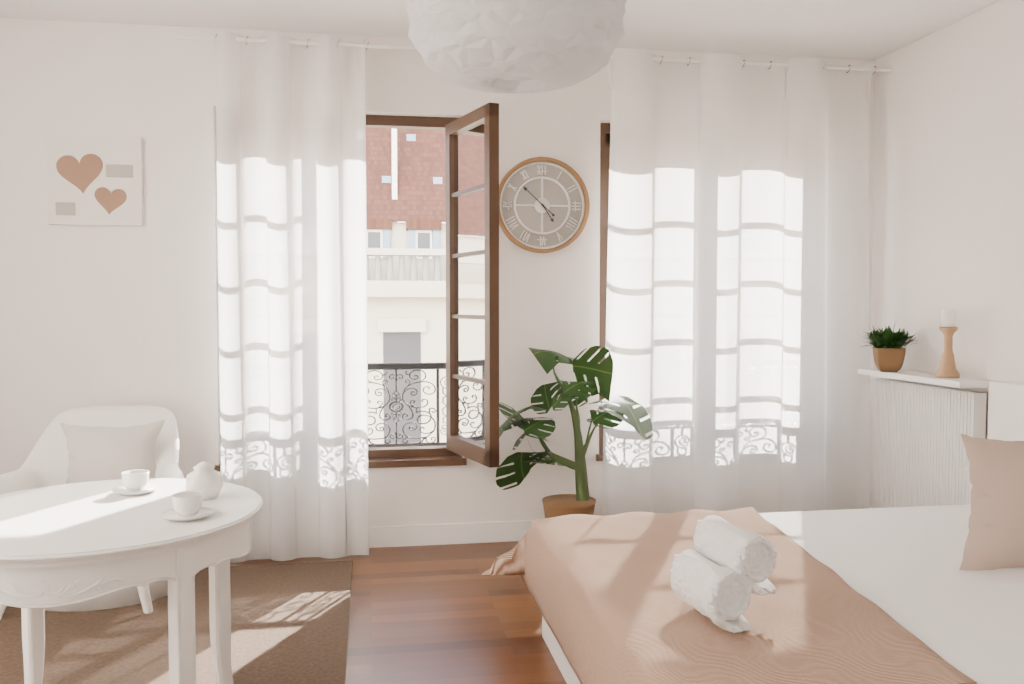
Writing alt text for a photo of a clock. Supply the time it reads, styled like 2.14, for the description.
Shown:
4.52
